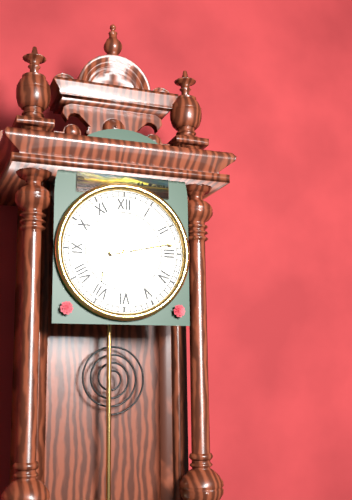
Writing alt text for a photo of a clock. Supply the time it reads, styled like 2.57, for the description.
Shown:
7.13
